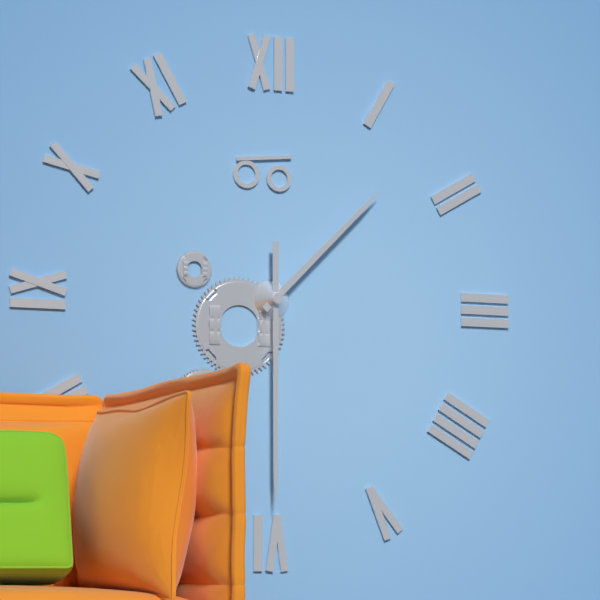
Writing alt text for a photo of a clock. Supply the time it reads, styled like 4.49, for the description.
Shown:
1.30
